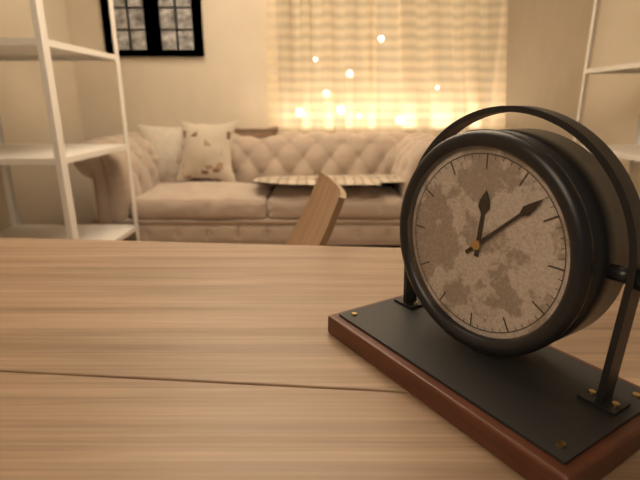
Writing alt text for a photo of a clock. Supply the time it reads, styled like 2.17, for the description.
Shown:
12.08
